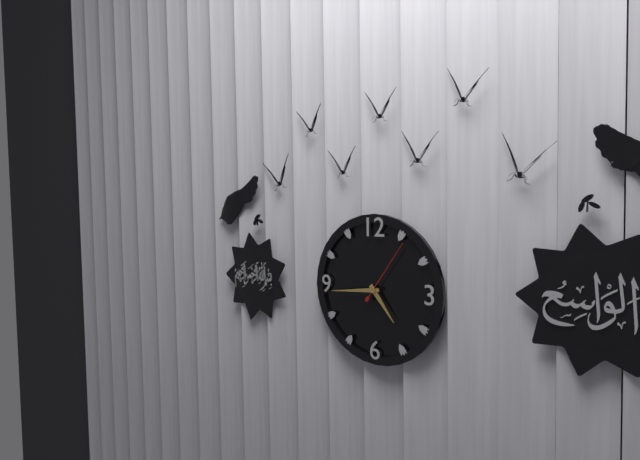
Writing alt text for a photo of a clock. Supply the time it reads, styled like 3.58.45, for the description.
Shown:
4.44.06
